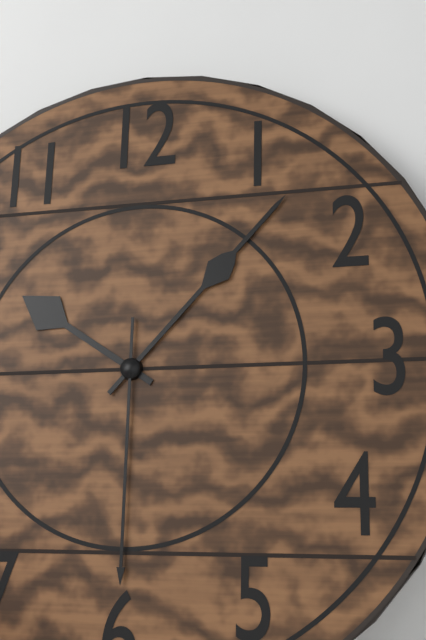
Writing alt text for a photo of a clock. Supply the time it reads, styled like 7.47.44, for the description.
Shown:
10.07.30
